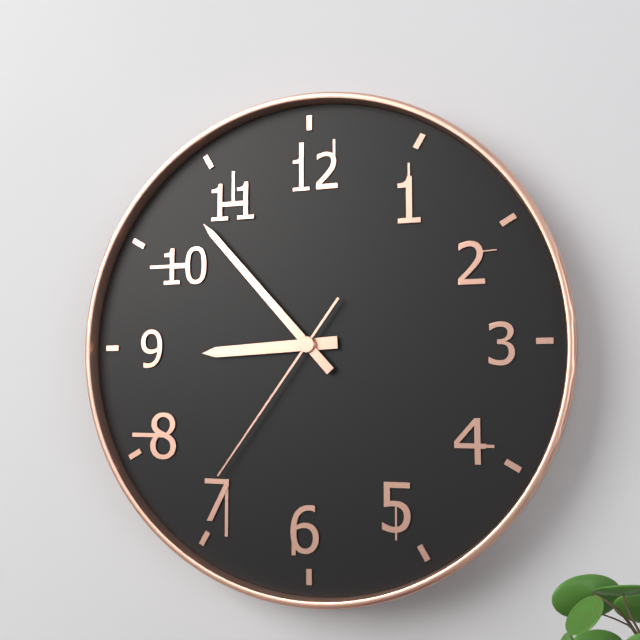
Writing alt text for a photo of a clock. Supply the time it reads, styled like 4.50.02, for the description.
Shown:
8.53.36
